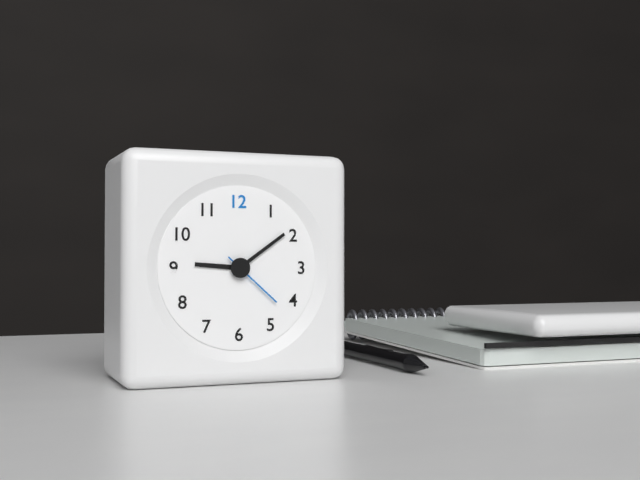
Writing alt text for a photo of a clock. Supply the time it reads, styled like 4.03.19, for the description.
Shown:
9.09.22
